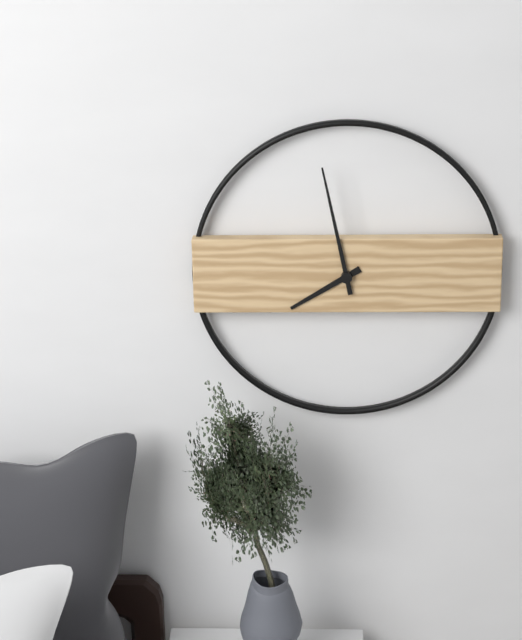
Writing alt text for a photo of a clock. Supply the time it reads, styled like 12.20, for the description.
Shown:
7.58
